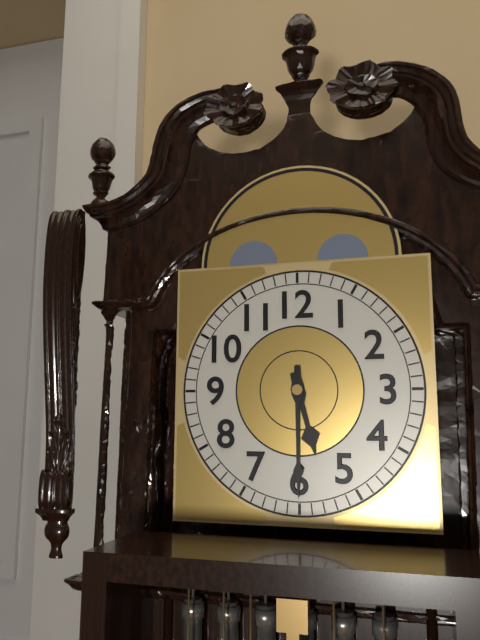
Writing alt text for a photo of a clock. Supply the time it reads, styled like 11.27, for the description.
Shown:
5.30
